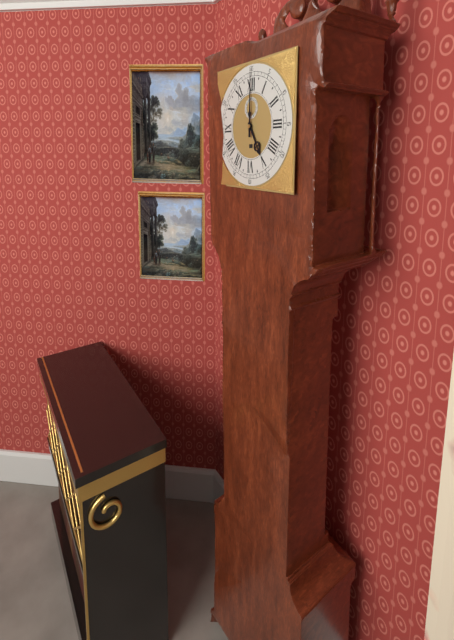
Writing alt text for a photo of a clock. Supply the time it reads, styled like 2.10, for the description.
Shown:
5.00
